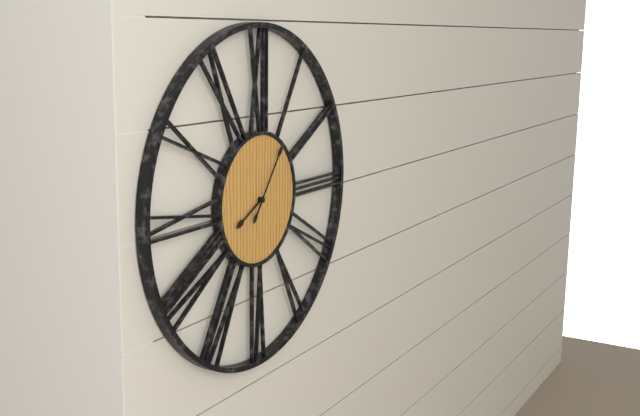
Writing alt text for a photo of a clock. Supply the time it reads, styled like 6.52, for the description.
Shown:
8.06
